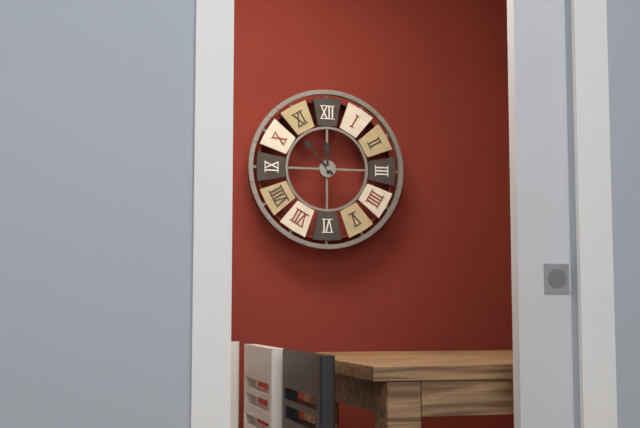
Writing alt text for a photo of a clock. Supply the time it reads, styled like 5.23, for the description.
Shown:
11.53
